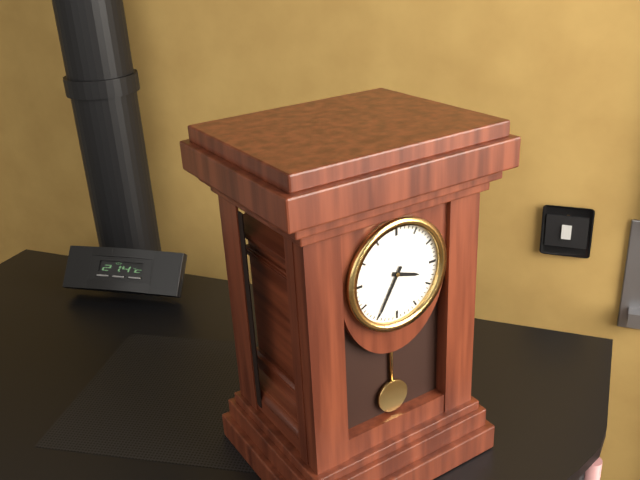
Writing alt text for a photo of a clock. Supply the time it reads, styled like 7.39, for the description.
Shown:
3.35
